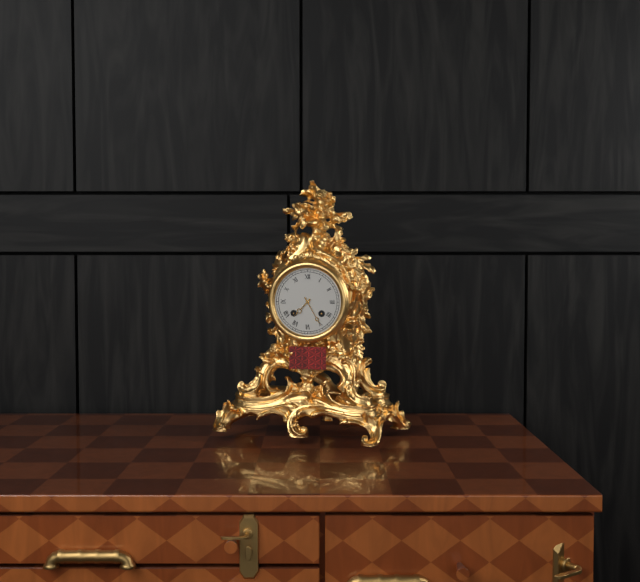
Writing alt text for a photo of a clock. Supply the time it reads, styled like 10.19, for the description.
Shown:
7.25
